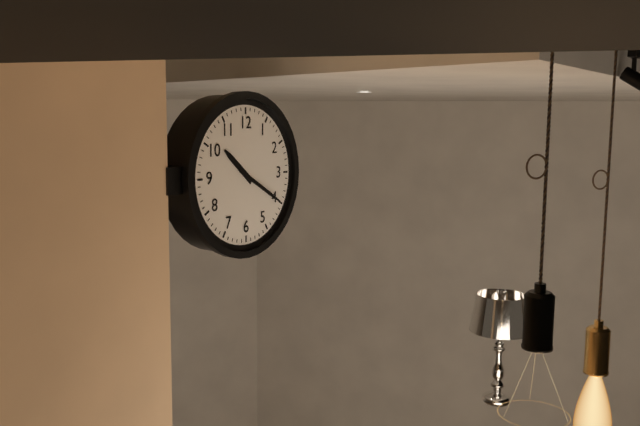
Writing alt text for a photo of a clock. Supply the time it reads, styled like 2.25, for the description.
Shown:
10.20
